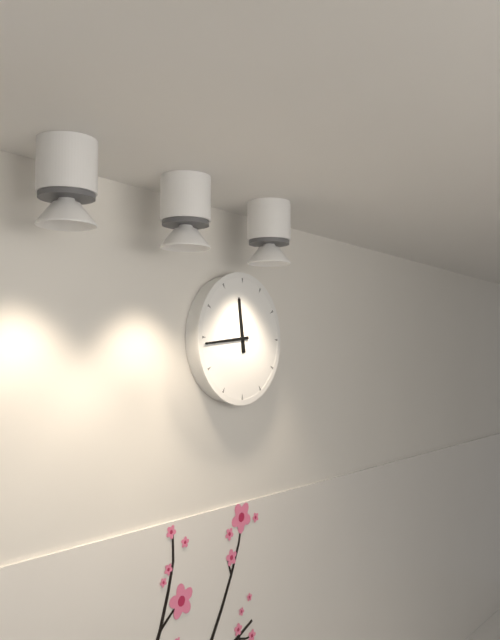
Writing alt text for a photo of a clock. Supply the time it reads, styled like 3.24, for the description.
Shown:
11.44
